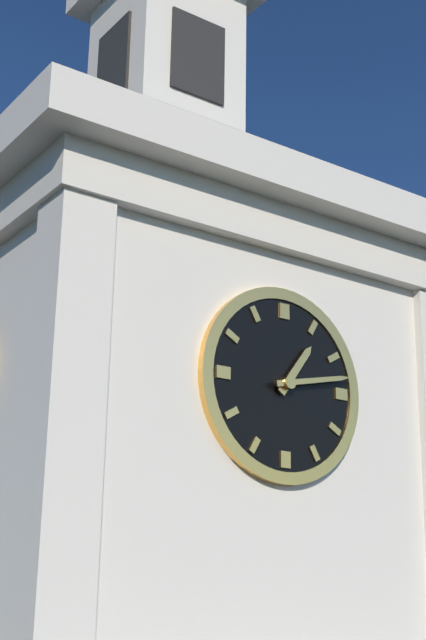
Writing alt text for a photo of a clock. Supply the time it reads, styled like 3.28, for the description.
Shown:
1.13
